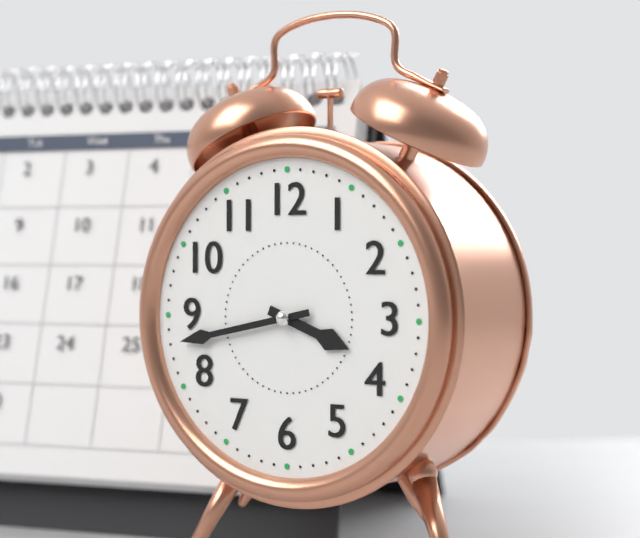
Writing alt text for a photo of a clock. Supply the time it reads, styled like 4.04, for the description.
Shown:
3.43
